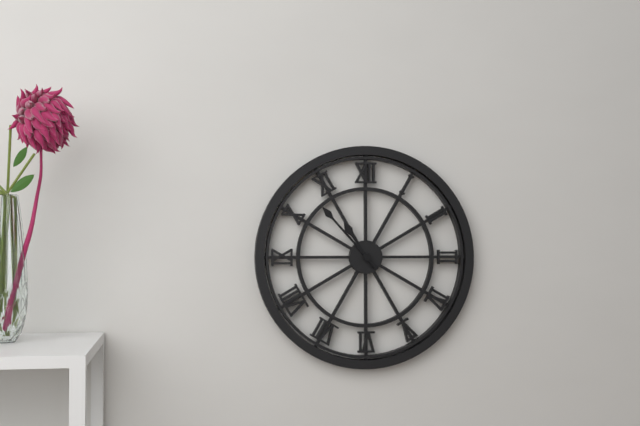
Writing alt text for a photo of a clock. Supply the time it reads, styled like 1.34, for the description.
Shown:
10.53
